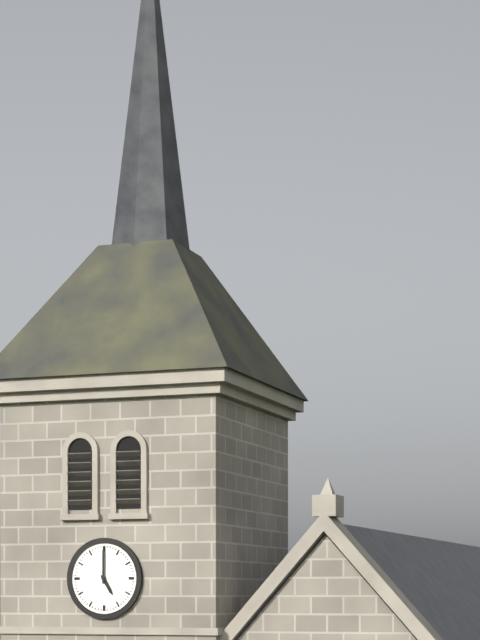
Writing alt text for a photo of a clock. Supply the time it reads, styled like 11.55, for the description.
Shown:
5.00
